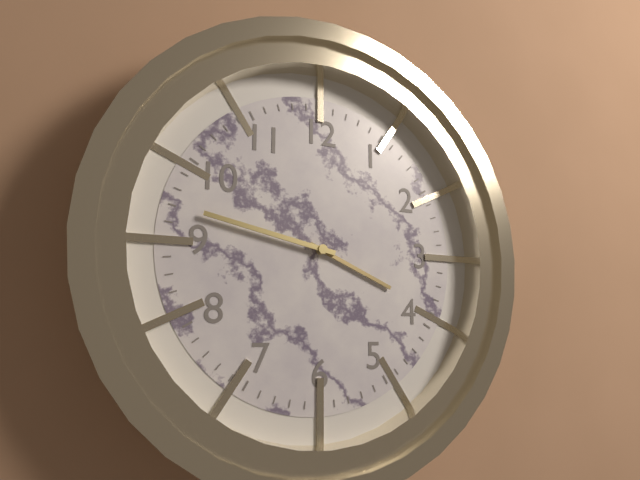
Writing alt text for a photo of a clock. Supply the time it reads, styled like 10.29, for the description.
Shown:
3.47
